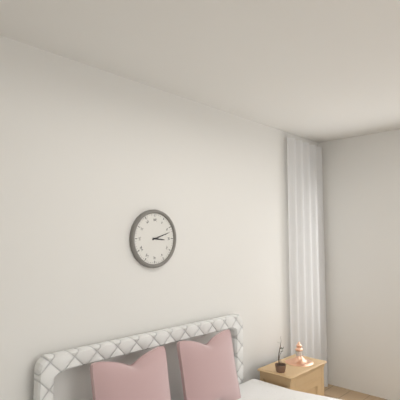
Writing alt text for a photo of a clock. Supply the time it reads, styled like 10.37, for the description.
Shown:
3.12
